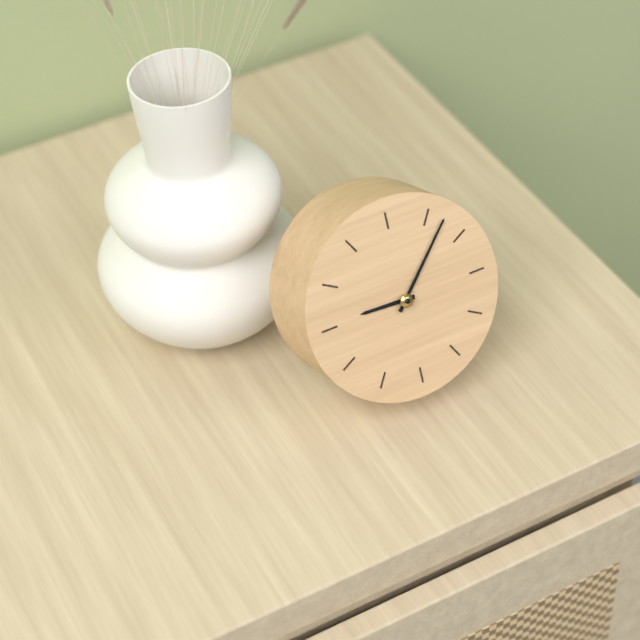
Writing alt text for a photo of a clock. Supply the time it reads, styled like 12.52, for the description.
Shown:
9.07
